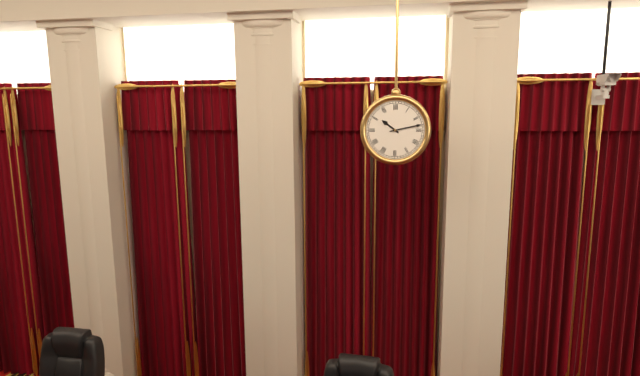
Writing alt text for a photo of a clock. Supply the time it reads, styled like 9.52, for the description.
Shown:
10.13
